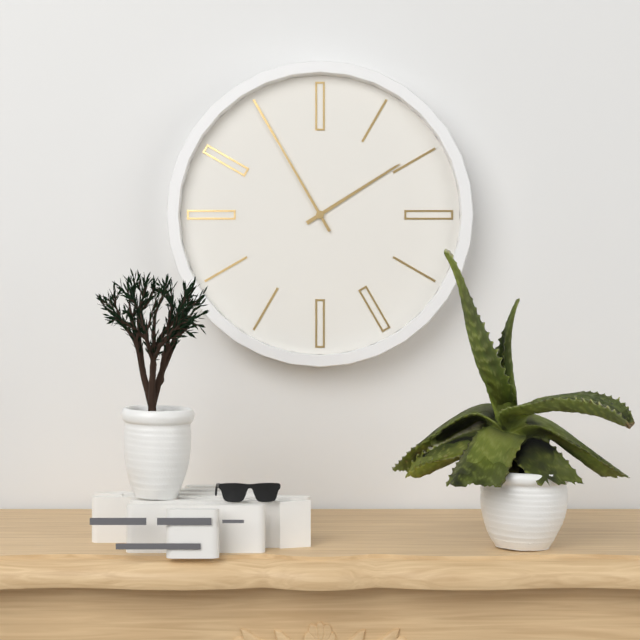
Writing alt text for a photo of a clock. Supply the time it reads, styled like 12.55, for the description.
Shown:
1.55
